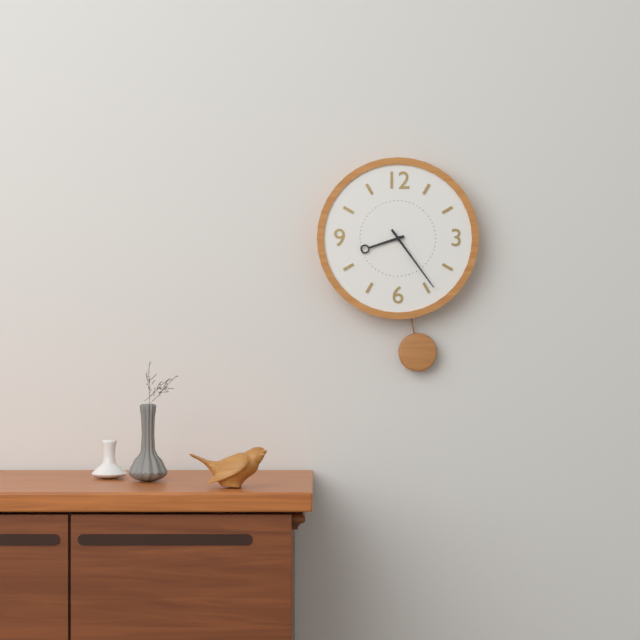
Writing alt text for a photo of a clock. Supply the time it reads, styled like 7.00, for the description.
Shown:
8.24
